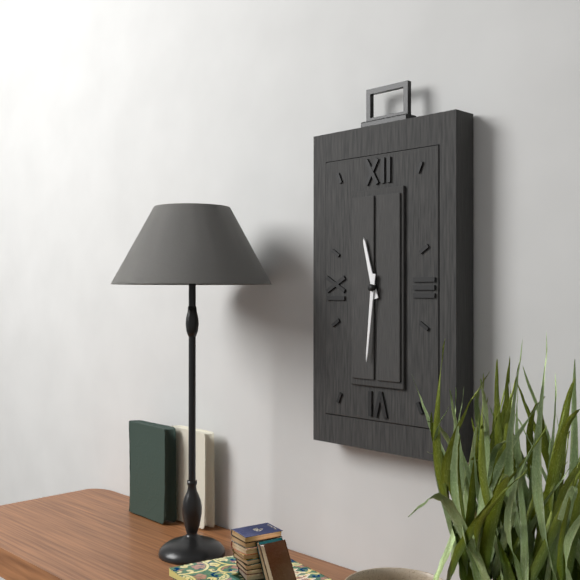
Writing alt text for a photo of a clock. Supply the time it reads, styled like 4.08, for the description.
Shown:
11.31
